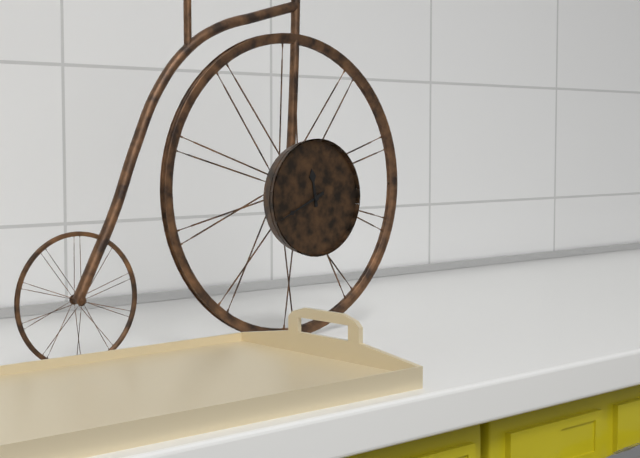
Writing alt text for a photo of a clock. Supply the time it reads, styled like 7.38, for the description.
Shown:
11.41
